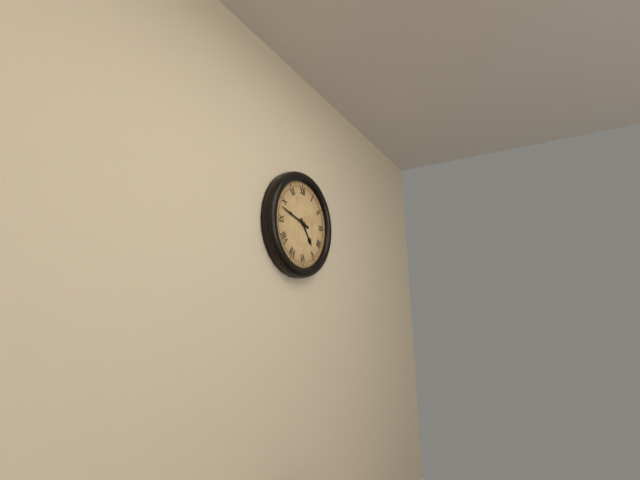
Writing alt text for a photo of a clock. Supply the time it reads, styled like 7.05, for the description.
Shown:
4.48
